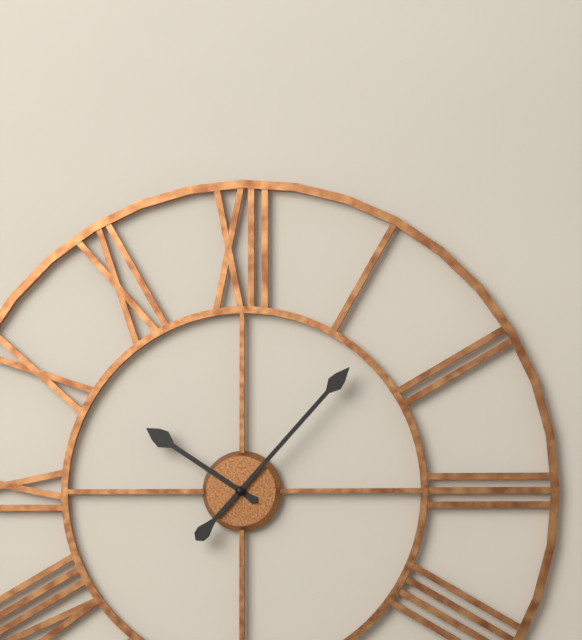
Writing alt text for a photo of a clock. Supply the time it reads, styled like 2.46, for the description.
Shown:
10.07
